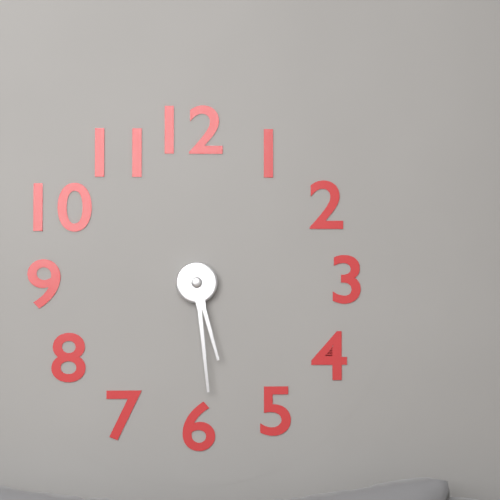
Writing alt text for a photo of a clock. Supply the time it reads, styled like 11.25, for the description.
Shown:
5.29
